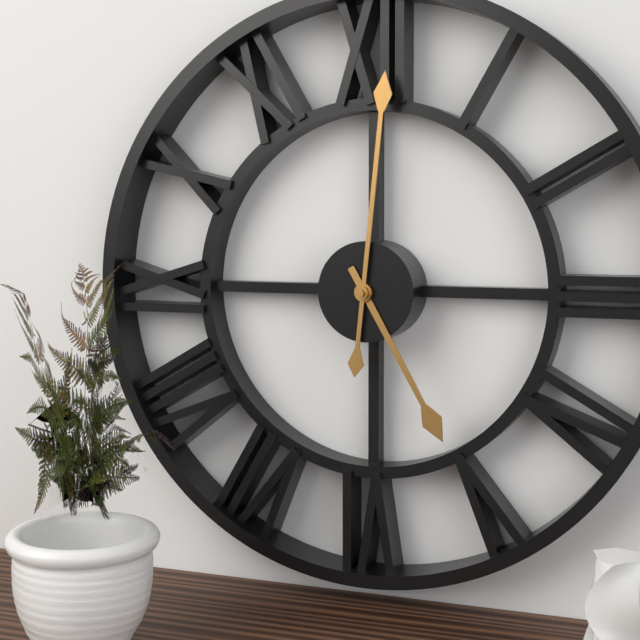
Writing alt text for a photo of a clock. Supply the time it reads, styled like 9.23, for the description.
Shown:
5.01
